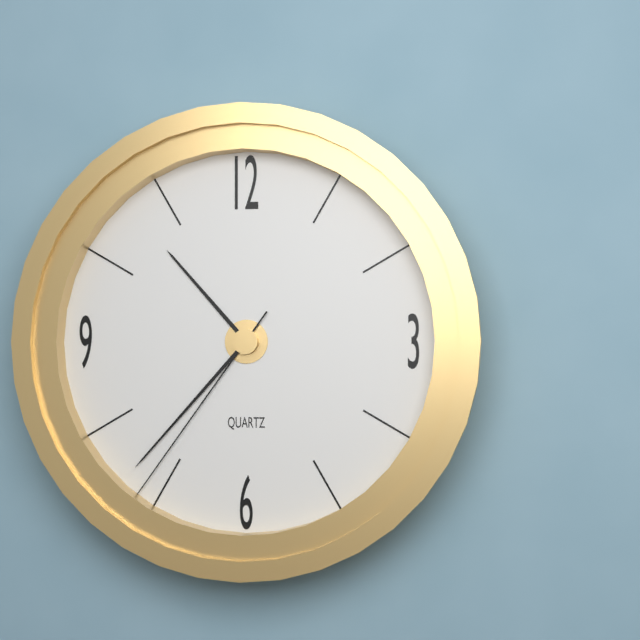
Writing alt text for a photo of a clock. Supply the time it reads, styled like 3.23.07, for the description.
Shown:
10.37.36
